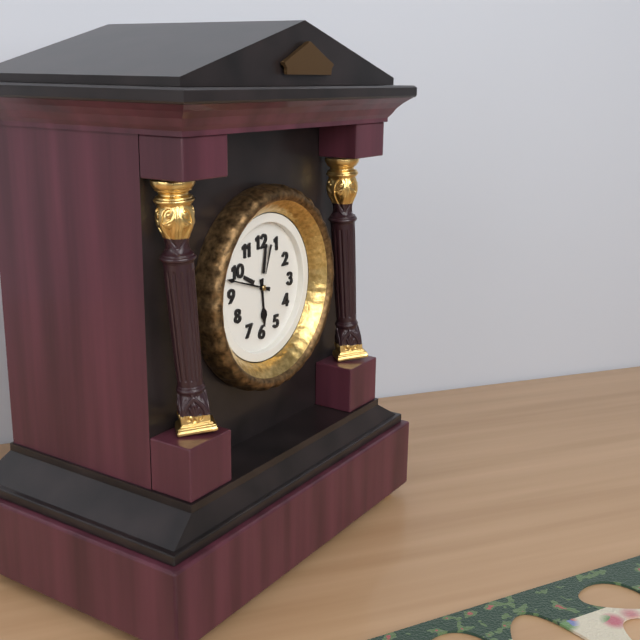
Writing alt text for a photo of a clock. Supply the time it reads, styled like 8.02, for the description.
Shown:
5.48
